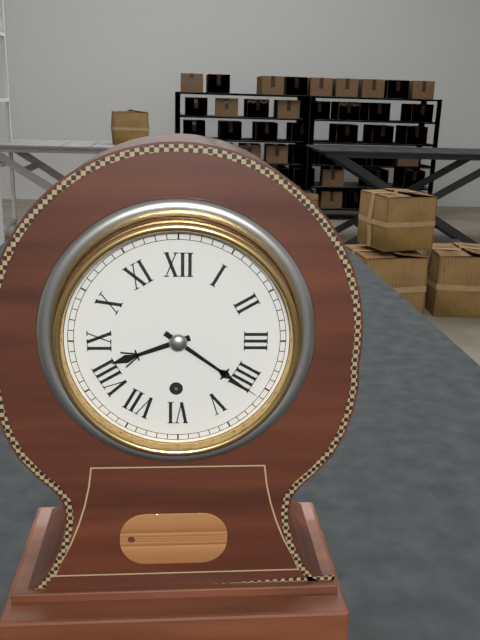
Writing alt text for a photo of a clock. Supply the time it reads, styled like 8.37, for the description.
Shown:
8.21
